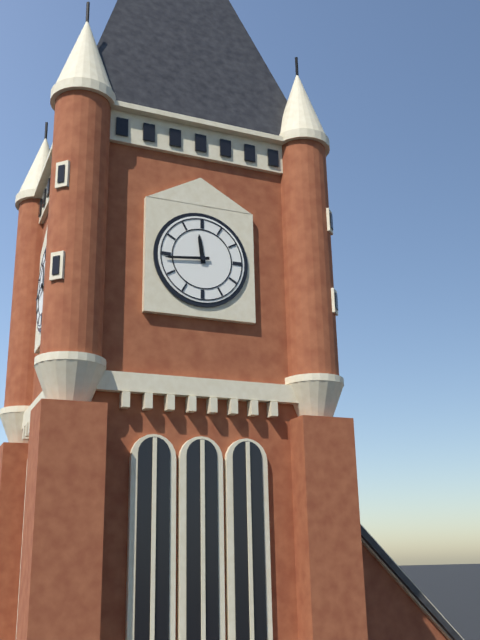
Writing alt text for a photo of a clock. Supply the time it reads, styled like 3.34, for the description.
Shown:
11.44
